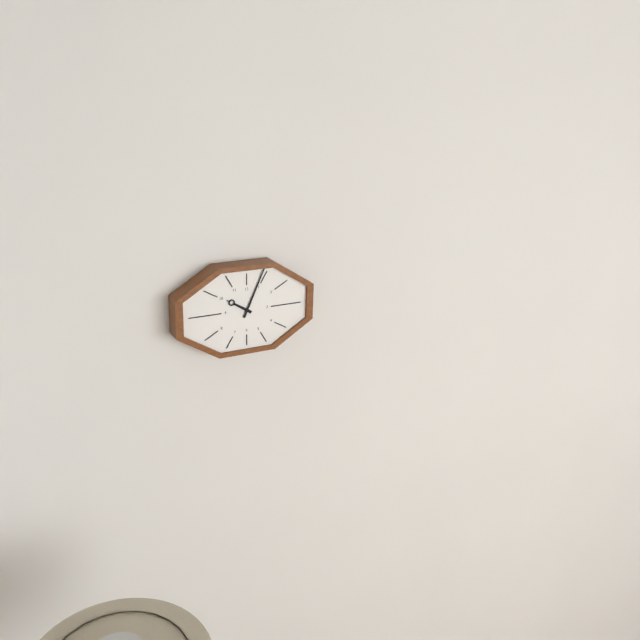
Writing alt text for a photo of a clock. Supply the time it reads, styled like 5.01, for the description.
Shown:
10.04
